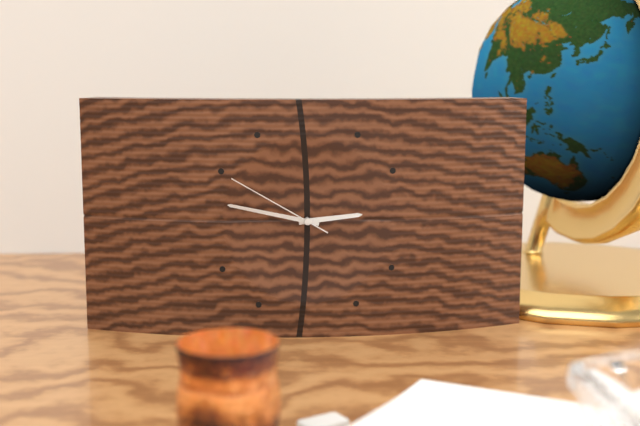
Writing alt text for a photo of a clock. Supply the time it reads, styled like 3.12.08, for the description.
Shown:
2.47.50
